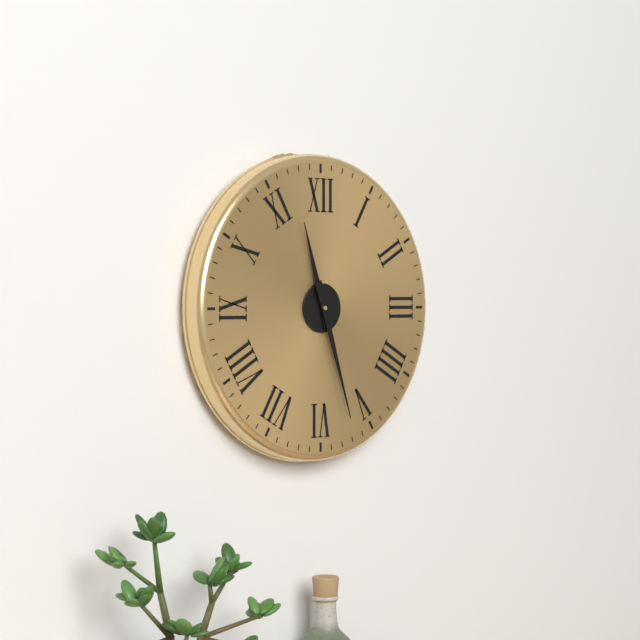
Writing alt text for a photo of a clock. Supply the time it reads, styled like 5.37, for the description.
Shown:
11.27
